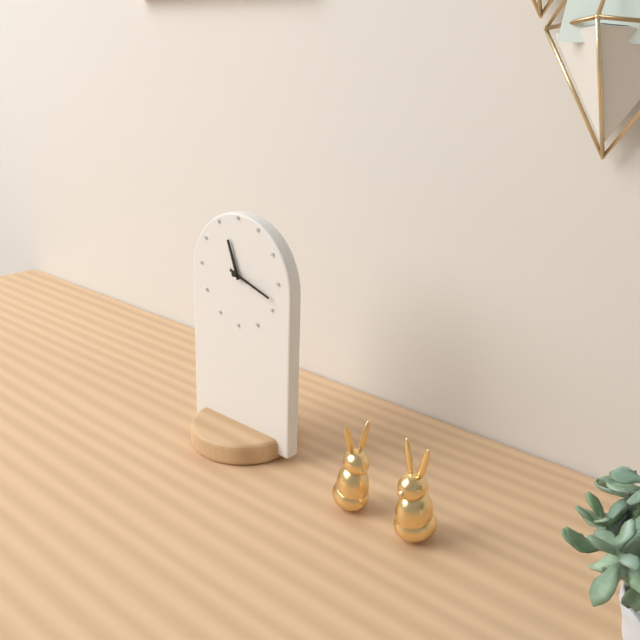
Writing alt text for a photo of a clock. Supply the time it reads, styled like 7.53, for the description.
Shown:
11.18
